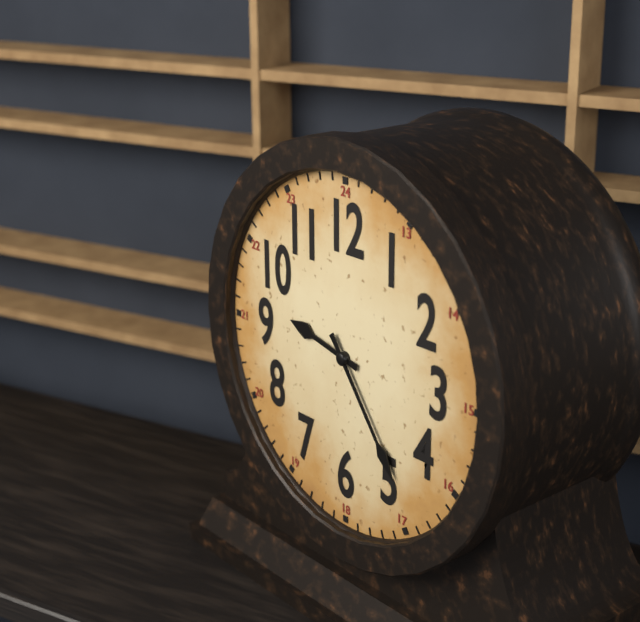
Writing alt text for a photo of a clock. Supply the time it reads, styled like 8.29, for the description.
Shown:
9.24
